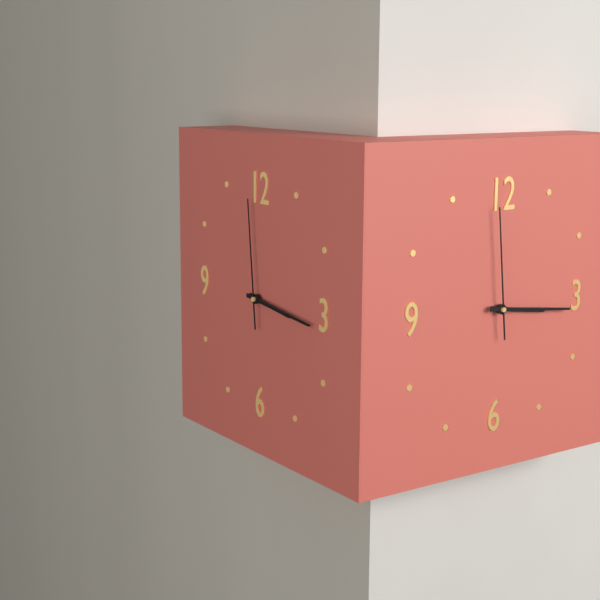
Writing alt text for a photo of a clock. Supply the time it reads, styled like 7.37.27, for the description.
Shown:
3.16.59
